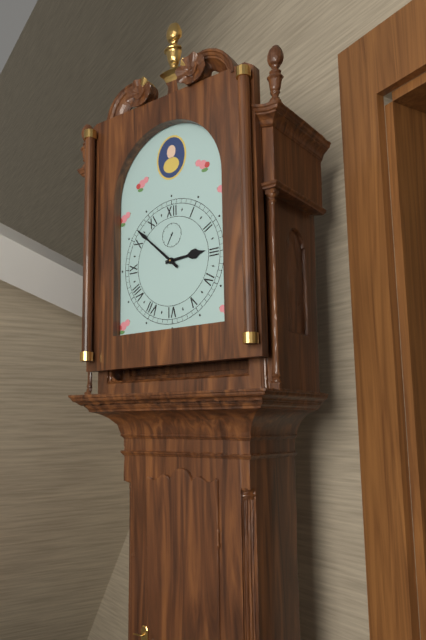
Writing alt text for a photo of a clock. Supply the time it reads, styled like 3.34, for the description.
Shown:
2.52
